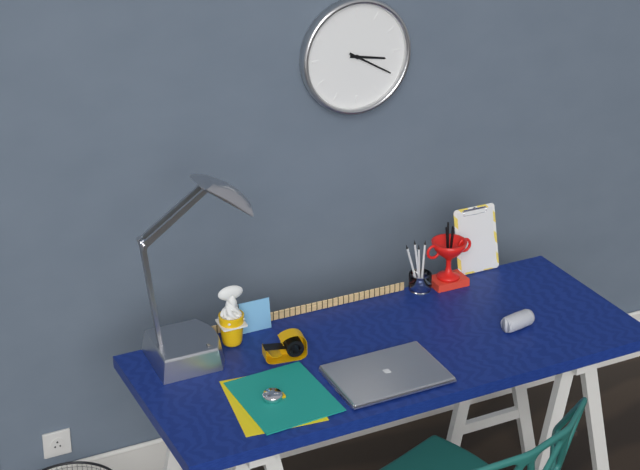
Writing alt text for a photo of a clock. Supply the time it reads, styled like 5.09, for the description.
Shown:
3.20
